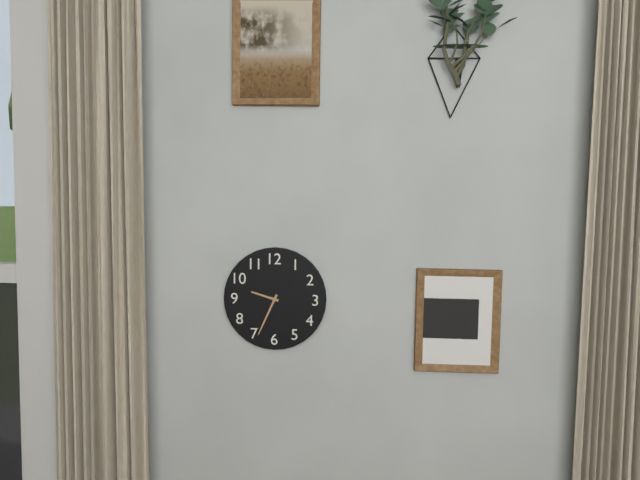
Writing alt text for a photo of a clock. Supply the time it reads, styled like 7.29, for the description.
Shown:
9.34
